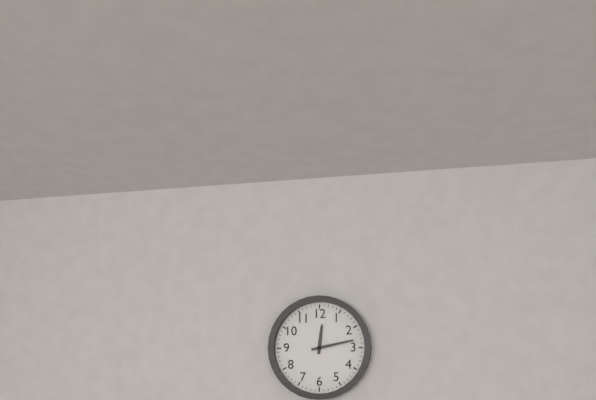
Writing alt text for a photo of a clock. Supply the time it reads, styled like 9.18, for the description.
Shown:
12.13
